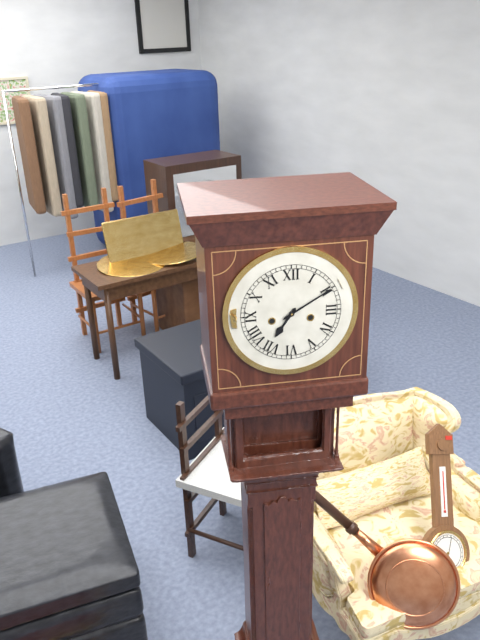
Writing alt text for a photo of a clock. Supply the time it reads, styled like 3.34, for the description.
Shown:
7.10
